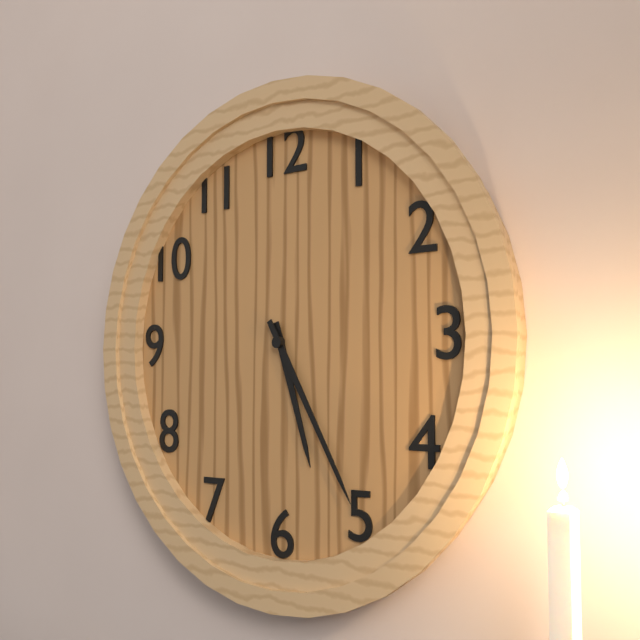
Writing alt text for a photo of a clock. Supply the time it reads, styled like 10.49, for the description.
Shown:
5.25
